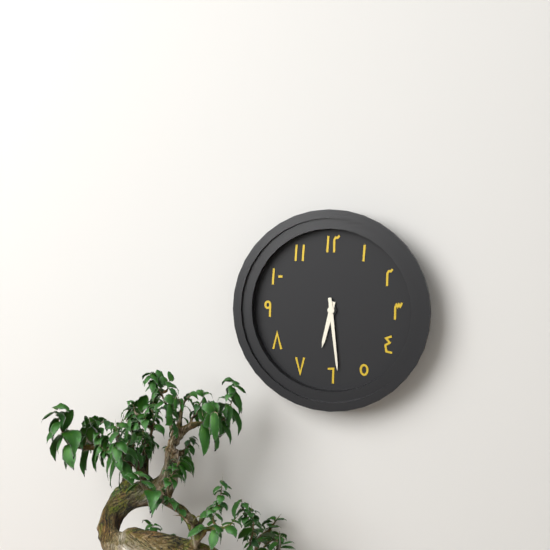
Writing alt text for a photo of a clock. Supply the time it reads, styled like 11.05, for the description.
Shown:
6.29
